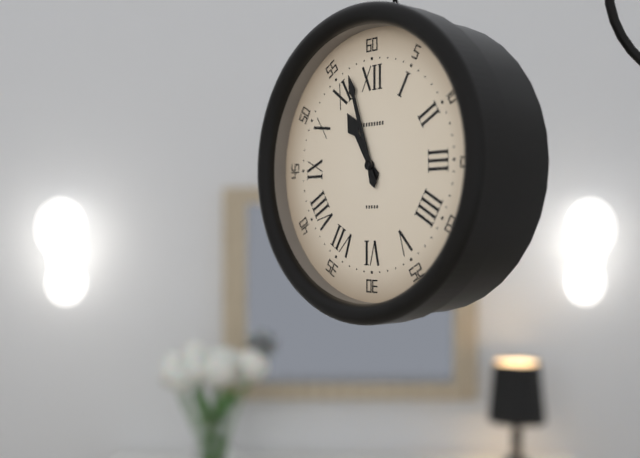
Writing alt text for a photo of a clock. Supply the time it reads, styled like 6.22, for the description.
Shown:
10.57
